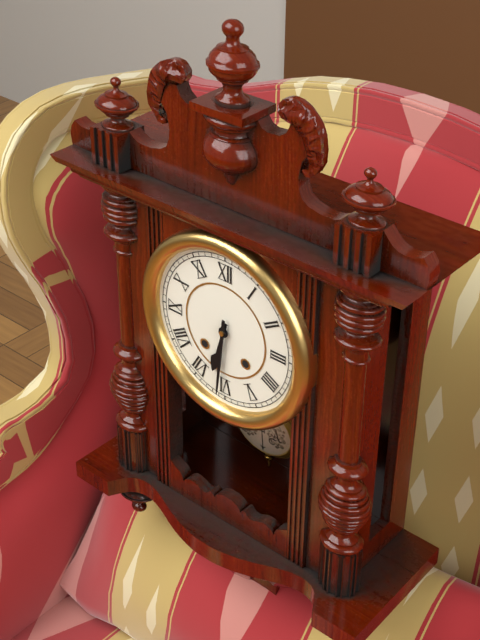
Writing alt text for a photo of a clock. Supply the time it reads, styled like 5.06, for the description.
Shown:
6.31
